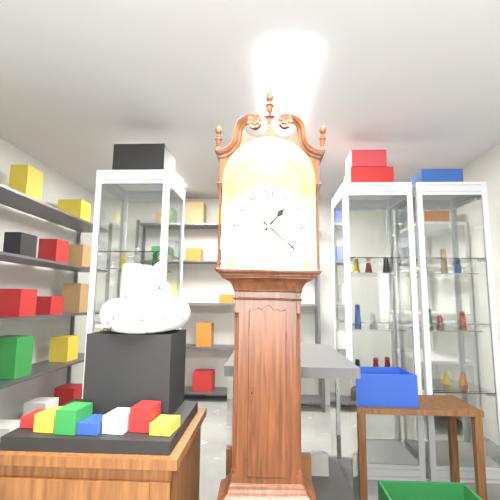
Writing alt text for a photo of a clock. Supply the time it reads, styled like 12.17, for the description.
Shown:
1.22
